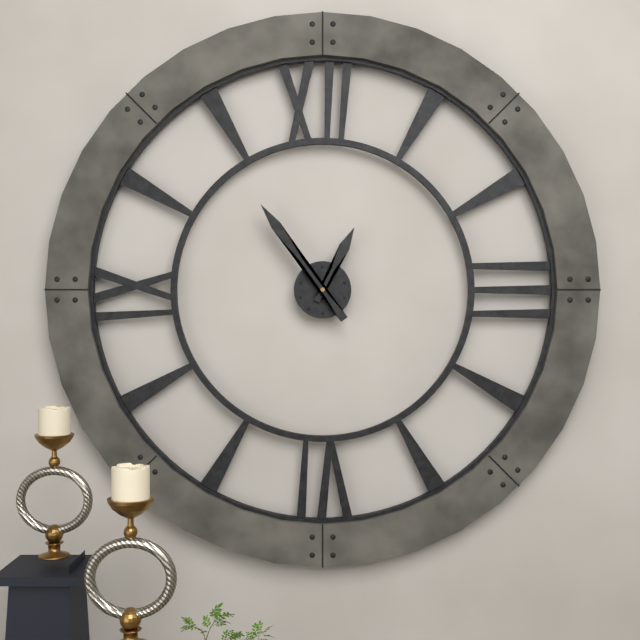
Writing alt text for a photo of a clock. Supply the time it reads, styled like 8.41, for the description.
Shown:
12.54
